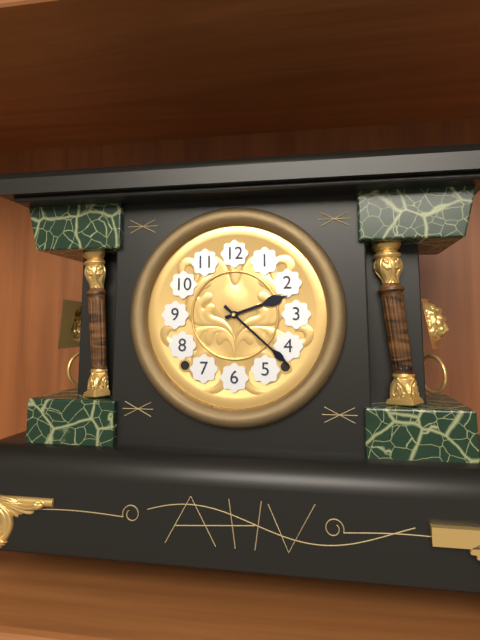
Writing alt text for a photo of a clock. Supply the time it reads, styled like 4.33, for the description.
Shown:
2.22
